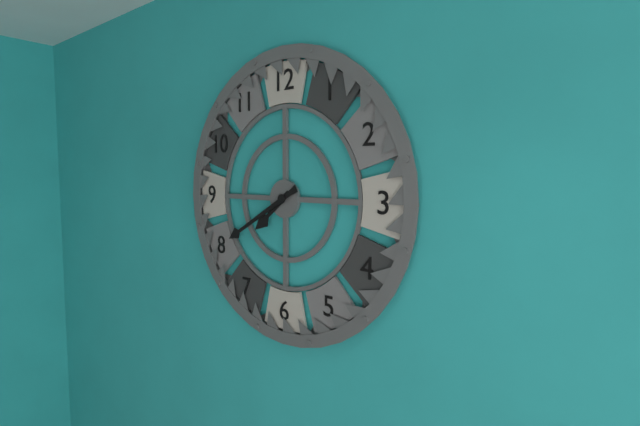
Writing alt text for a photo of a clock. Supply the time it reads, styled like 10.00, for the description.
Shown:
7.40
